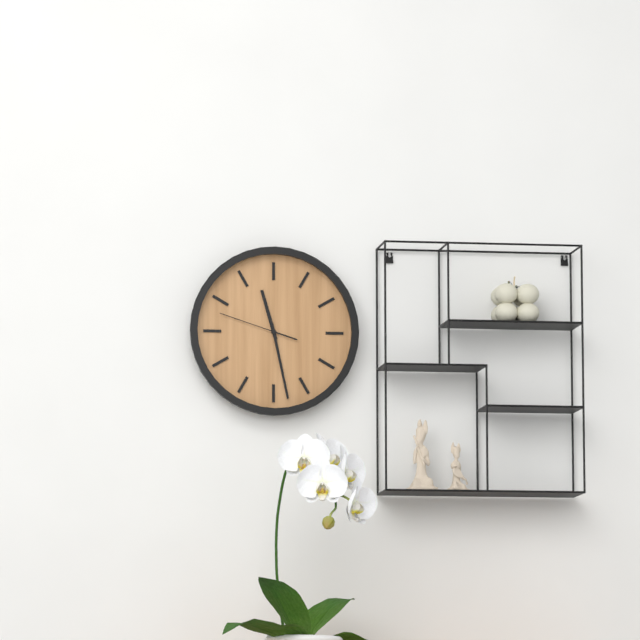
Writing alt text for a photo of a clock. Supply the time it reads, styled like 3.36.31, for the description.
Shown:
11.28.48
